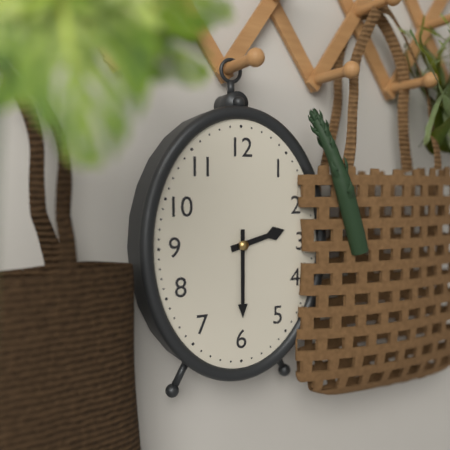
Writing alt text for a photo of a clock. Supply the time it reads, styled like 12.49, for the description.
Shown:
2.30
